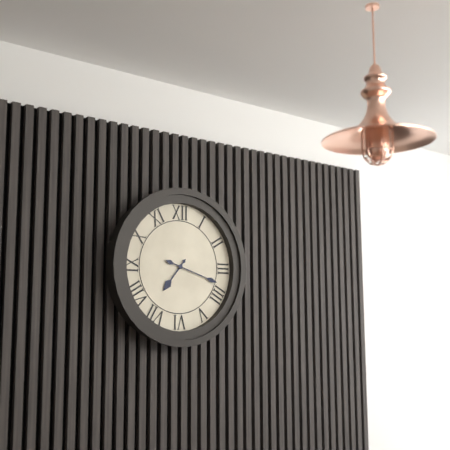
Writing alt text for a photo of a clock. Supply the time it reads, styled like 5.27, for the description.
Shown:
7.18
